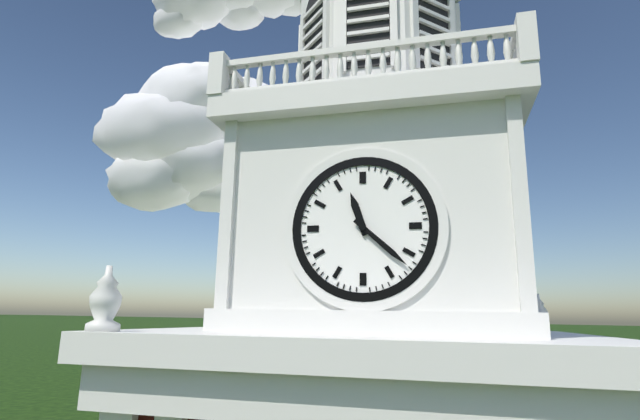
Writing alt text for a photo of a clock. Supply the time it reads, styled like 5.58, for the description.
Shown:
11.22
